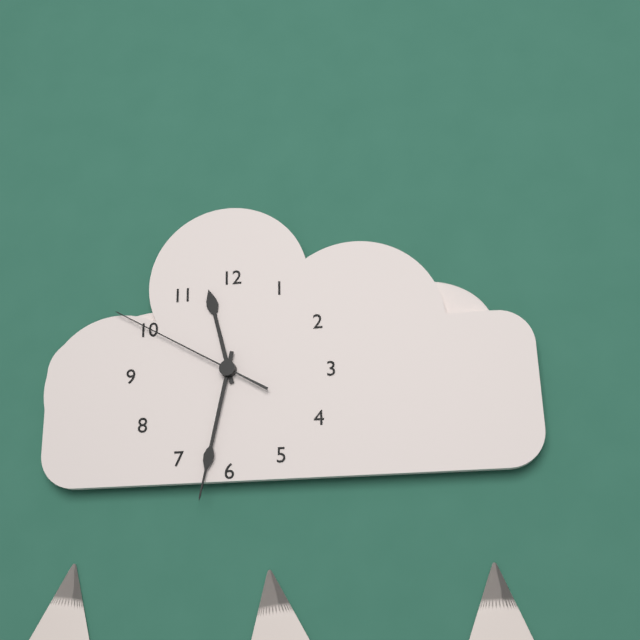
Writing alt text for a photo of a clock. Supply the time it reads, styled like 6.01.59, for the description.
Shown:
11.32.50
